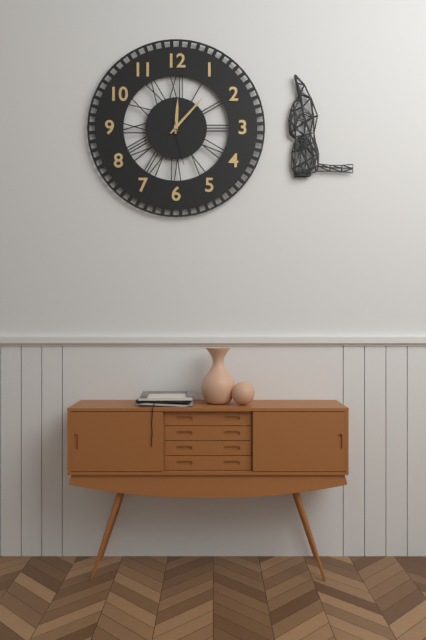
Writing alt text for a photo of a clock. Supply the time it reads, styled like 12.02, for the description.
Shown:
12.07
